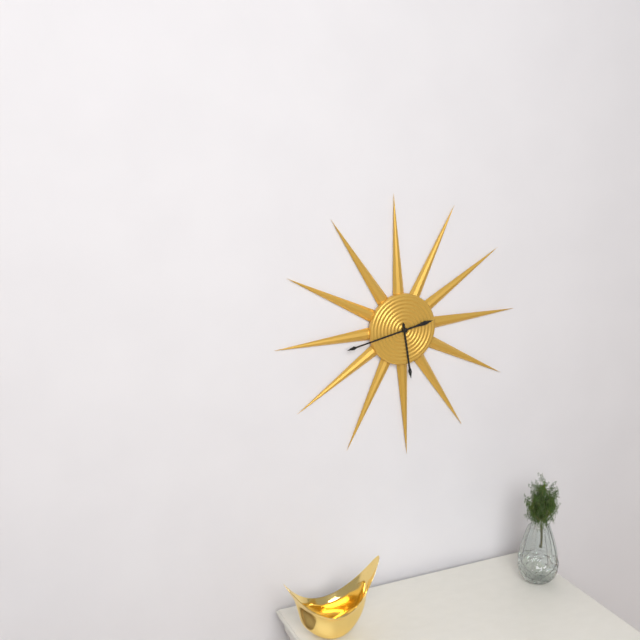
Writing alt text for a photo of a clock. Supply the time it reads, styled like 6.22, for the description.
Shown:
5.43
